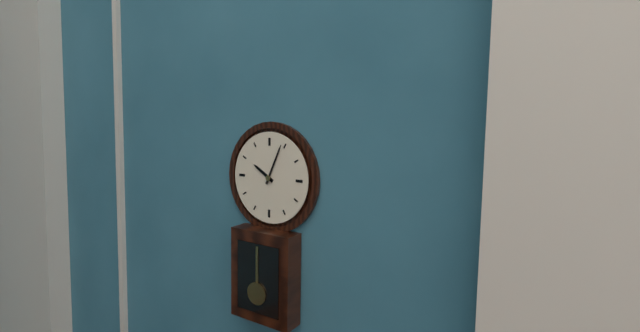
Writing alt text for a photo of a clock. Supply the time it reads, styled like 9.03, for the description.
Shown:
10.04
